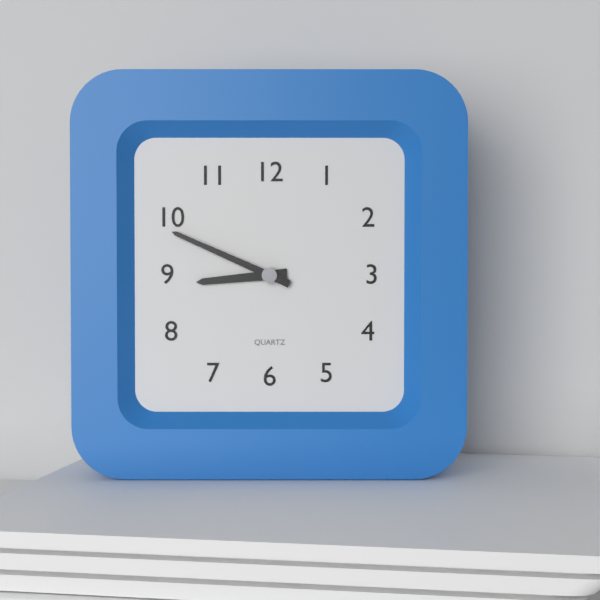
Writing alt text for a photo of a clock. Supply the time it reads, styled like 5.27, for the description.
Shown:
8.49
